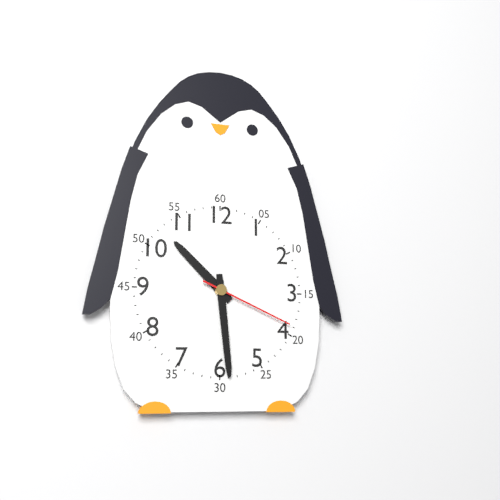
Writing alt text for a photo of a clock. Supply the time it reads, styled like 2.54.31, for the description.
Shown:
10.29.19
